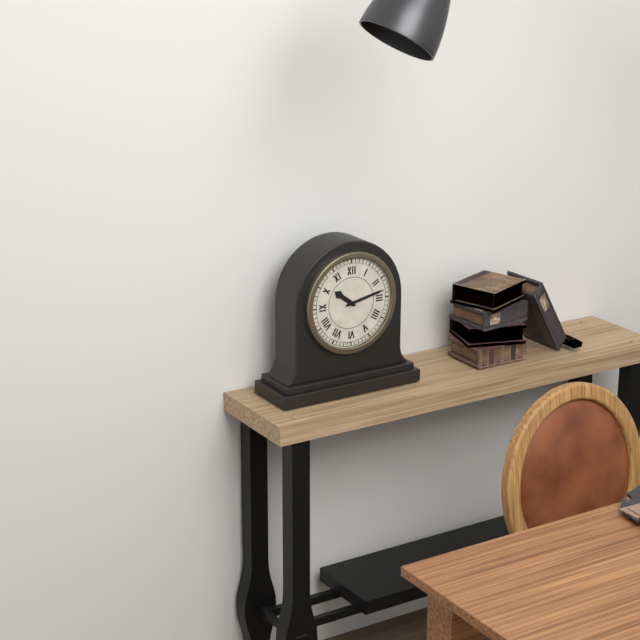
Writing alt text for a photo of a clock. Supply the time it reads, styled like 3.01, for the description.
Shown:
10.13
